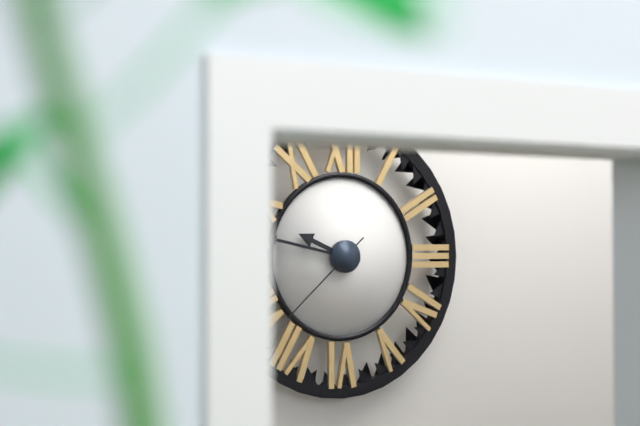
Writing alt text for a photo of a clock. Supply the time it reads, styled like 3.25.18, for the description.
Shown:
9.47.38
